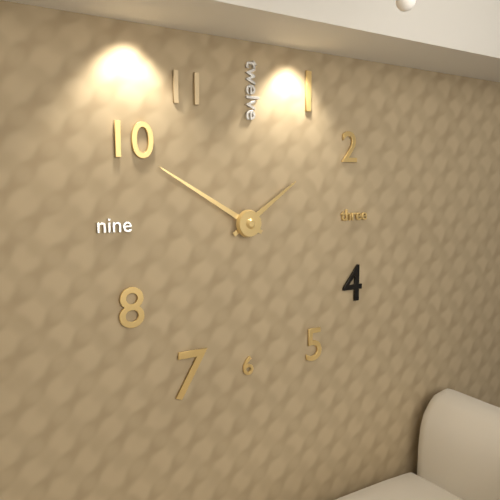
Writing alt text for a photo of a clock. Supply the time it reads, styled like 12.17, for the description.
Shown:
1.50
